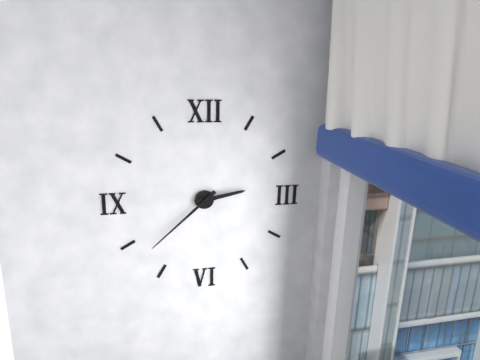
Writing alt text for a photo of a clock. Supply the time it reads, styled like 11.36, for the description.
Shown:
2.38
